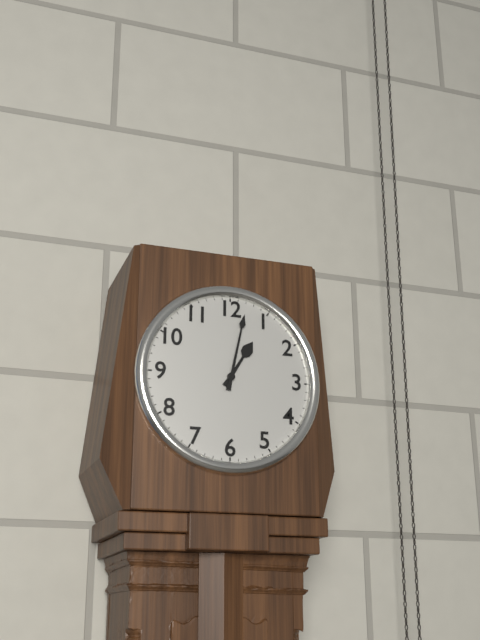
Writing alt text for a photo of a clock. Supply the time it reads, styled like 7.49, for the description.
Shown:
1.02
